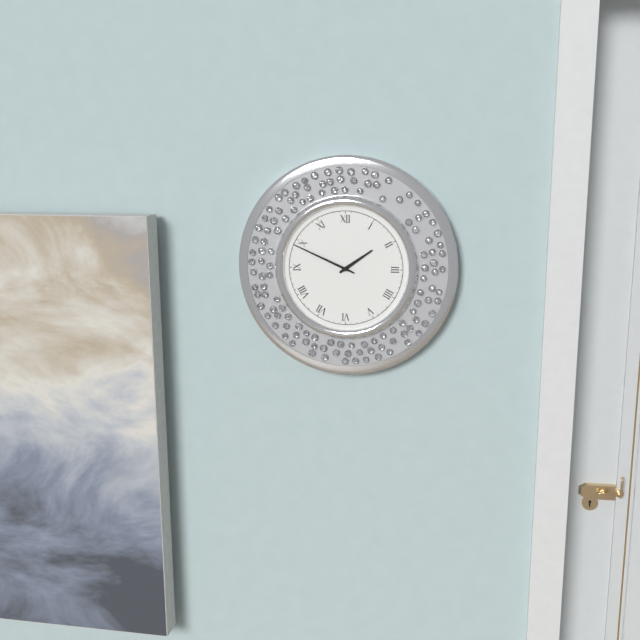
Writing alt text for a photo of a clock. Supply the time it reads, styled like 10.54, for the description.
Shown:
1.49
